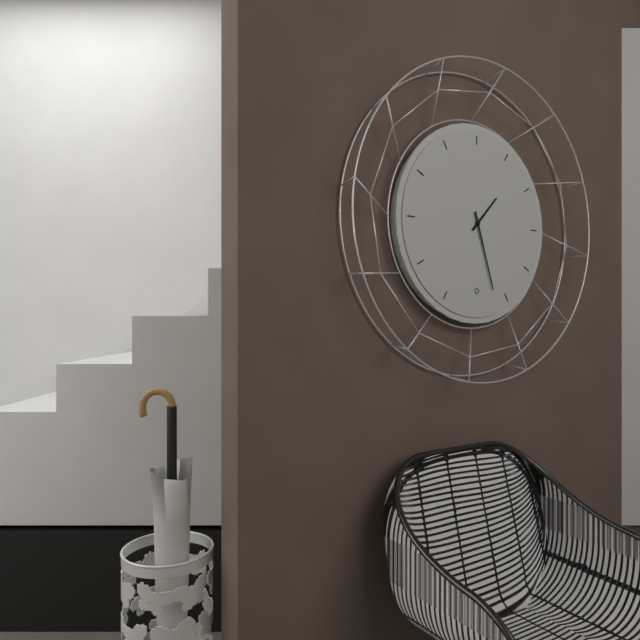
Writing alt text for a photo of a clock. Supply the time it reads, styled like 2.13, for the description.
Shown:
1.27
